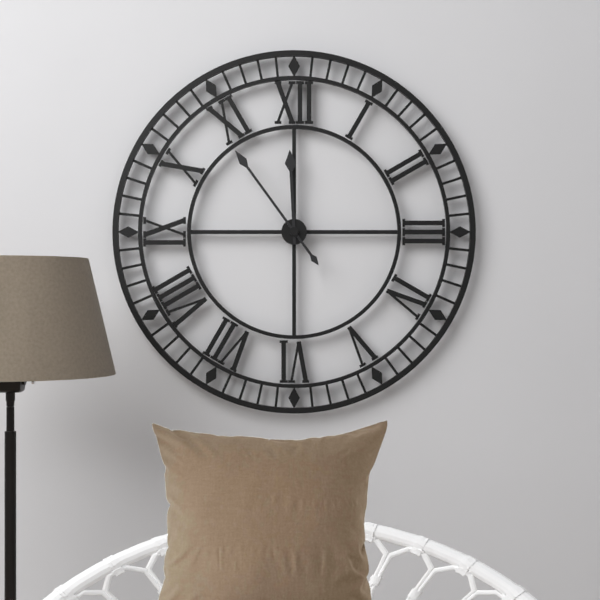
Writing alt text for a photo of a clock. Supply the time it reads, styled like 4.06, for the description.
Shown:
11.54
